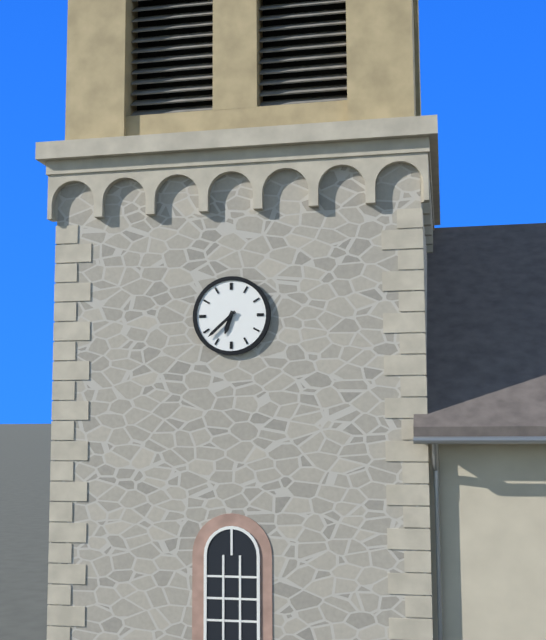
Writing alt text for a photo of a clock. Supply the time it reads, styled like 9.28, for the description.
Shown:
6.38
